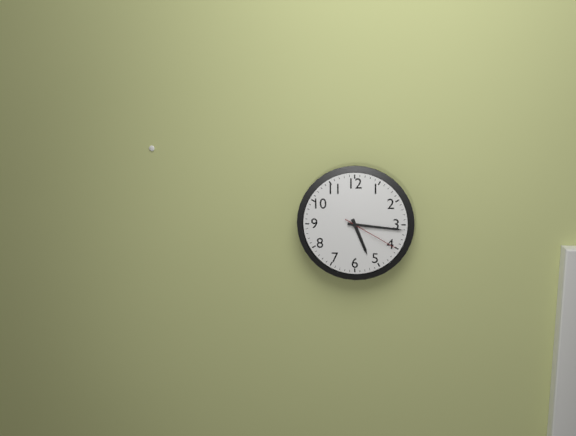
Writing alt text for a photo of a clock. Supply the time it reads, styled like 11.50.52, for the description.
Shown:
5.16.20
